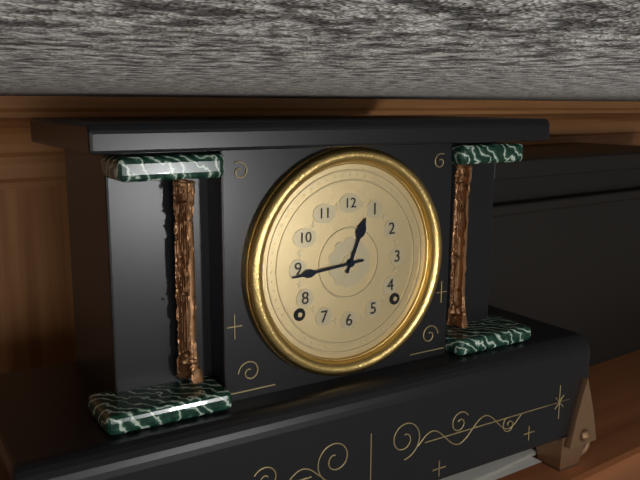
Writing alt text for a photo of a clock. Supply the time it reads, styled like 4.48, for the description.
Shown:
12.44
